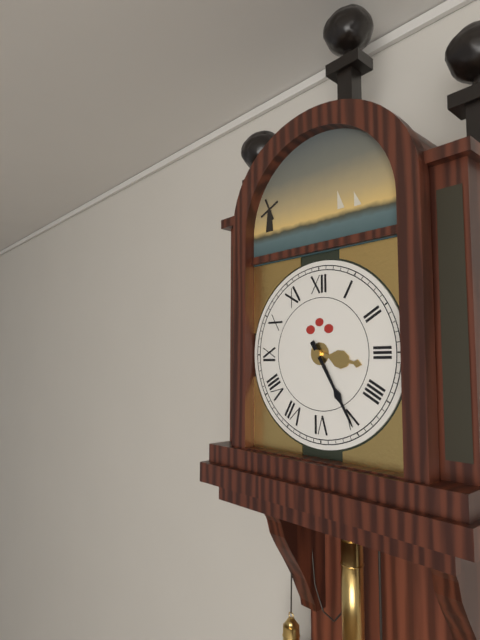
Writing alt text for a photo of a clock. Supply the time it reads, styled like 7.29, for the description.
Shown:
3.25
